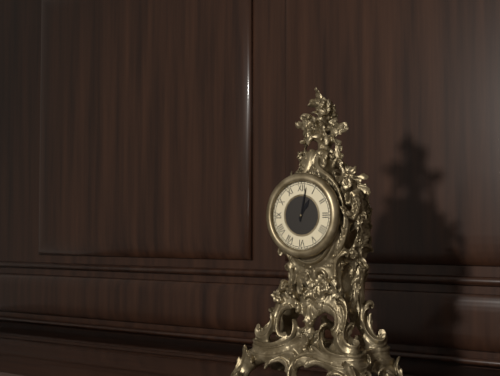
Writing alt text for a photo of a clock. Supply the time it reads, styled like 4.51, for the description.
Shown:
1.02
